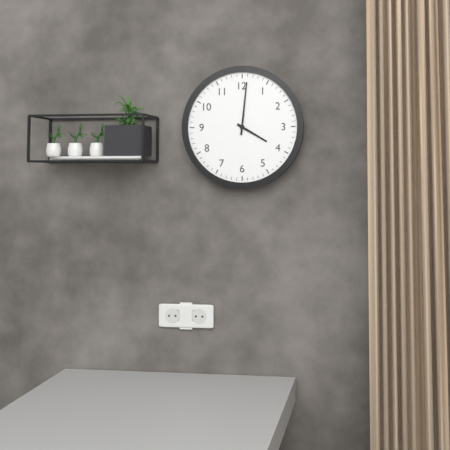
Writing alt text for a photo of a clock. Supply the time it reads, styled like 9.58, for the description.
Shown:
4.01
